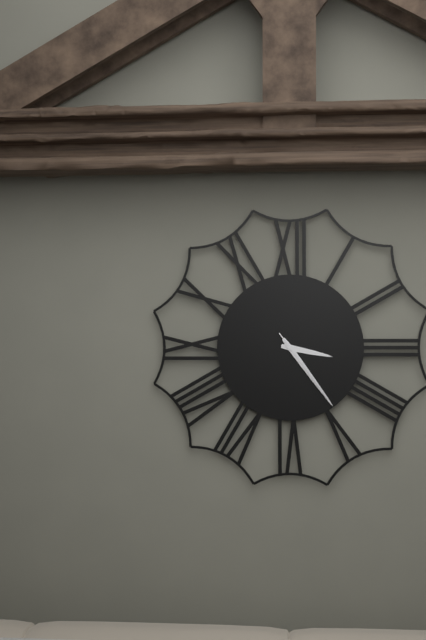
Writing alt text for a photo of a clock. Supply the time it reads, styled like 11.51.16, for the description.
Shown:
3.24.24
